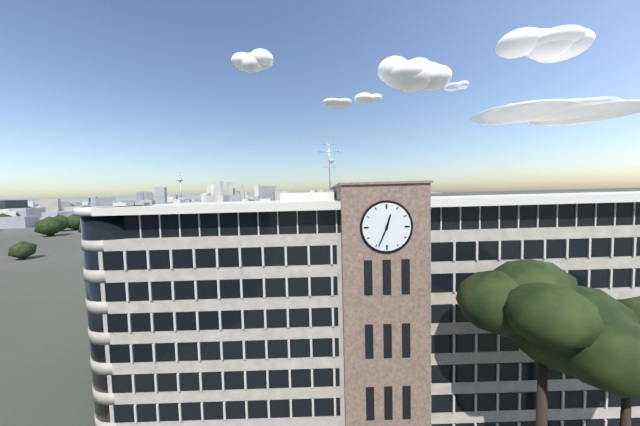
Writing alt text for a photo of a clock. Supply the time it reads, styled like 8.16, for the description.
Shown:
12.34
